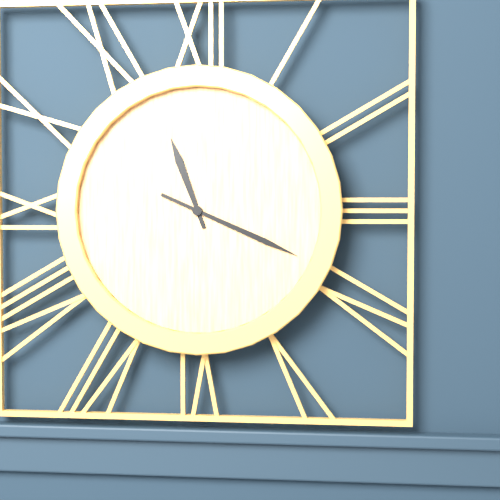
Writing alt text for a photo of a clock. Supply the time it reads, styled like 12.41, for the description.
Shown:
11.19
